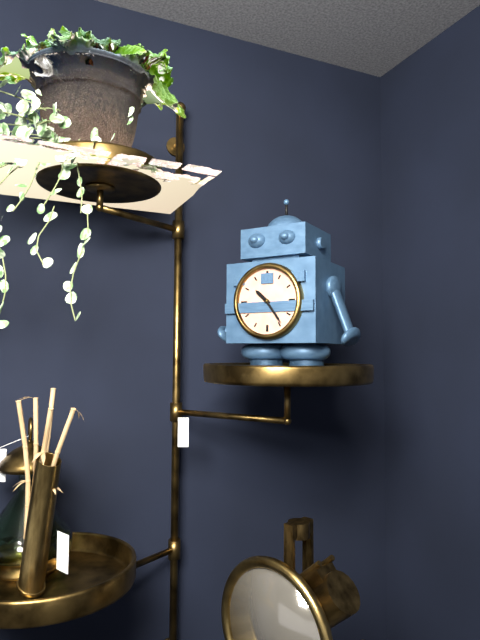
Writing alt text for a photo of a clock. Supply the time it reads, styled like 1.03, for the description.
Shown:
10.24
